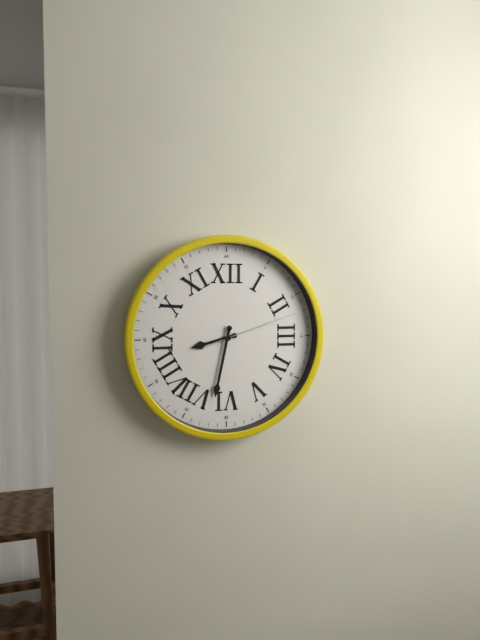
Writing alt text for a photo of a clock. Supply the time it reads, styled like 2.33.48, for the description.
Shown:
8.32.12
